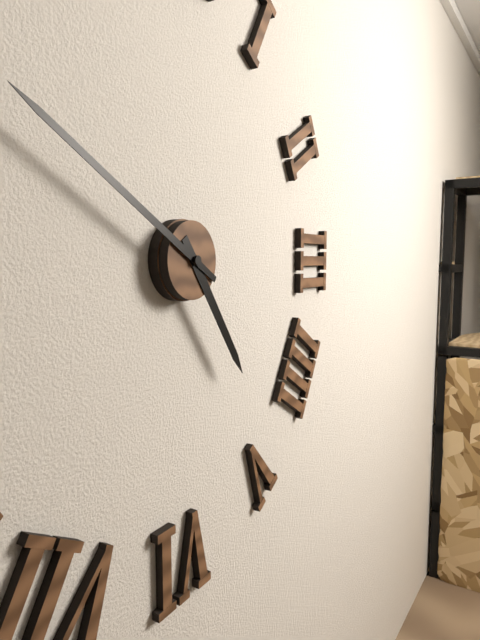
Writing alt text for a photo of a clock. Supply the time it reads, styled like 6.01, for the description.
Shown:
4.50
